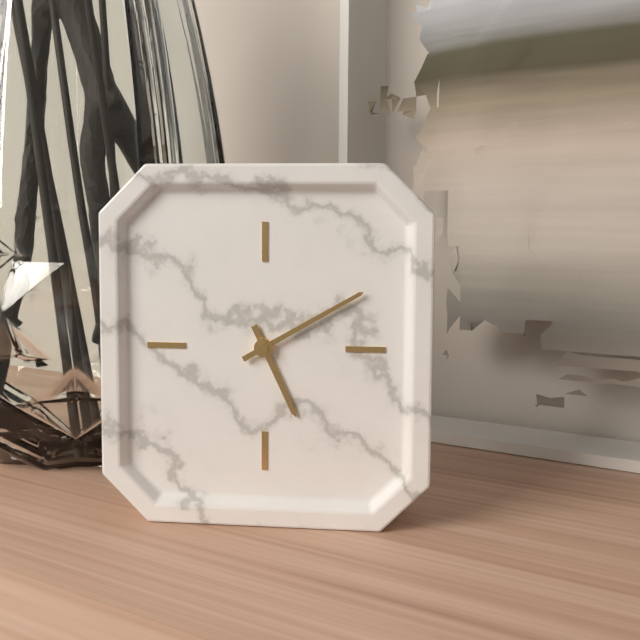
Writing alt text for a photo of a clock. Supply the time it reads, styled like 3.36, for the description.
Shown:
5.10
